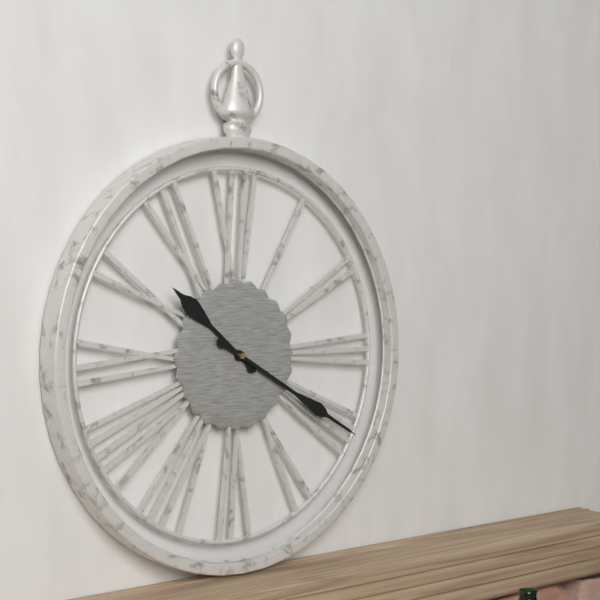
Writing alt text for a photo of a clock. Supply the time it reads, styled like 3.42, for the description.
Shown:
10.20
